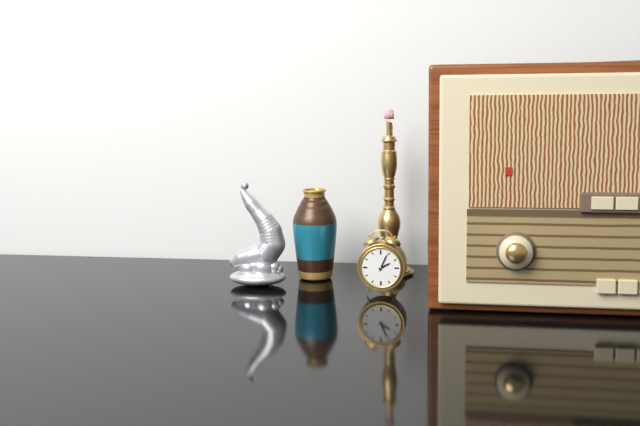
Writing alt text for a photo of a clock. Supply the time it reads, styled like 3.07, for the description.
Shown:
2.04
